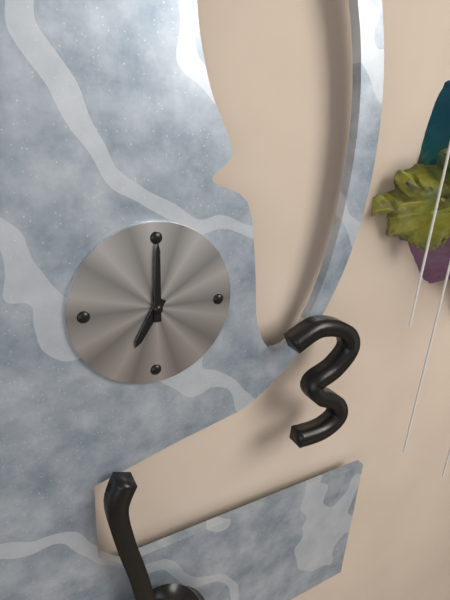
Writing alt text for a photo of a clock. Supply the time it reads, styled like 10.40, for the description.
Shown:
7.00
